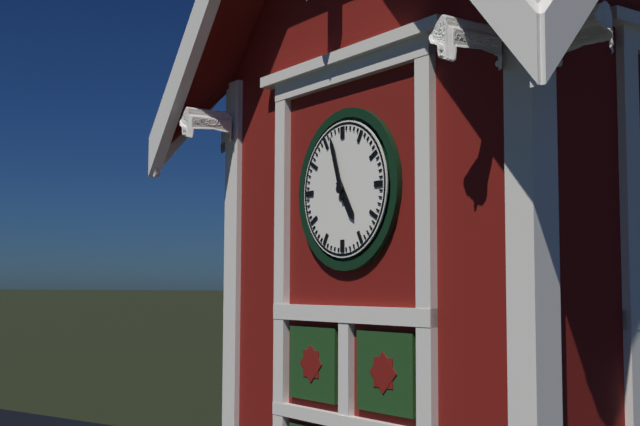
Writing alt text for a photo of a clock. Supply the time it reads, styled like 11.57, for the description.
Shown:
4.57
